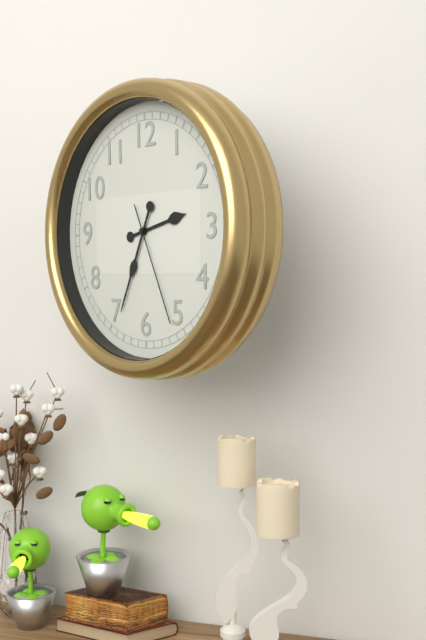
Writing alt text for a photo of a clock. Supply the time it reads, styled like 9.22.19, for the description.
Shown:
2.34.26
